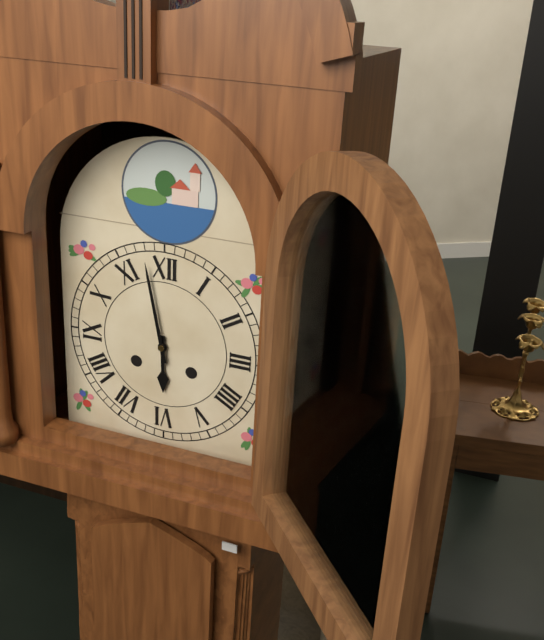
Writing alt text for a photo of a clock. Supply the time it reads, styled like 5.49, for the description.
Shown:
5.58
